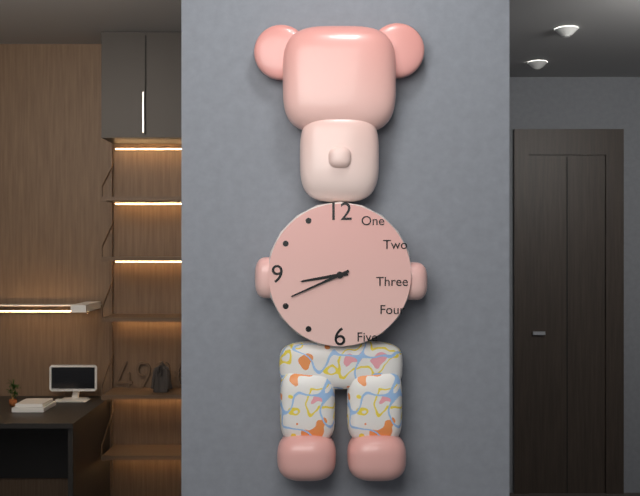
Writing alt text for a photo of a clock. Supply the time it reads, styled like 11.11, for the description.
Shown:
8.41
